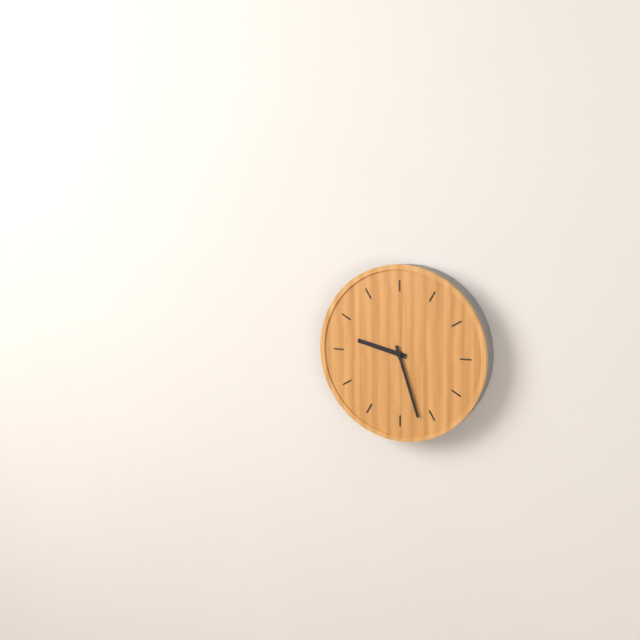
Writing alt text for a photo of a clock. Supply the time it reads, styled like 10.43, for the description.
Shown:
9.27
